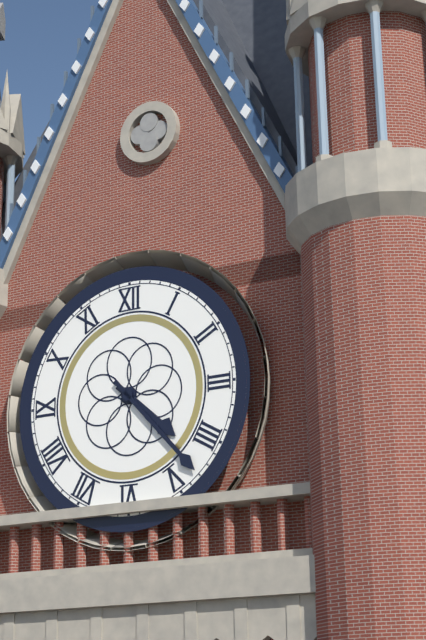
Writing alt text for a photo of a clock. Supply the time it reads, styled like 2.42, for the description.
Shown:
4.23
